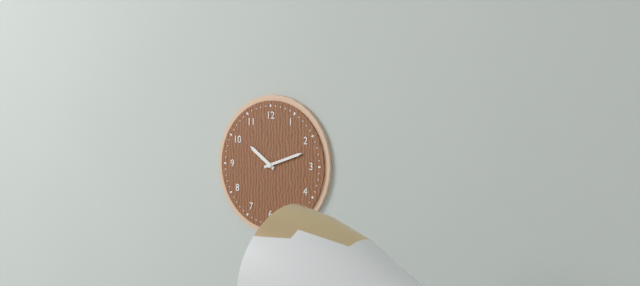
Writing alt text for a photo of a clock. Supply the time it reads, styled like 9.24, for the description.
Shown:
10.12
